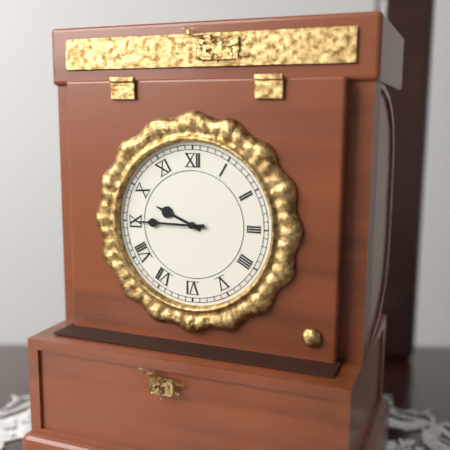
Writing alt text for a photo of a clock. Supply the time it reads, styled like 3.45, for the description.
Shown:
9.45
